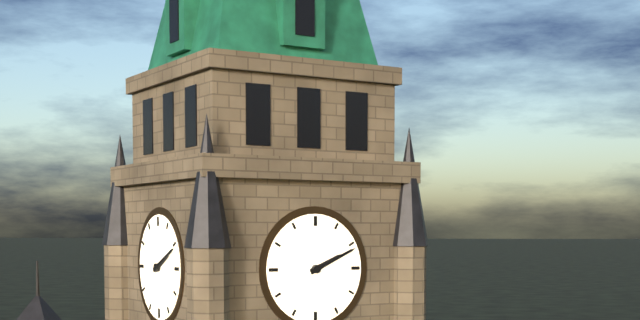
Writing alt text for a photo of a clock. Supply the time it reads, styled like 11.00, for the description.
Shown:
2.11
